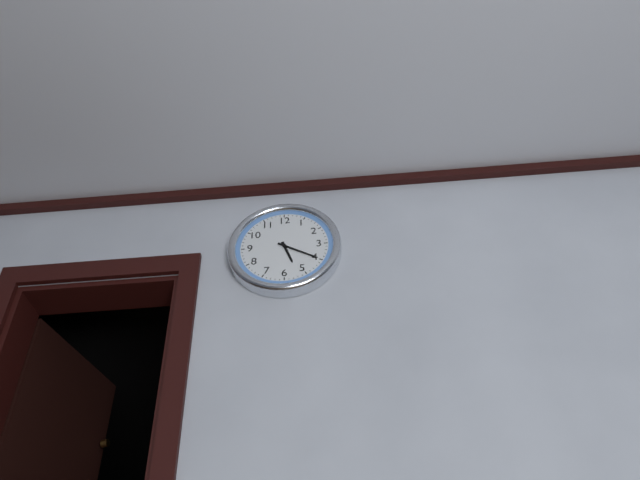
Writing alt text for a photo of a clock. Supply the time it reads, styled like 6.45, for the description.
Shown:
5.20
